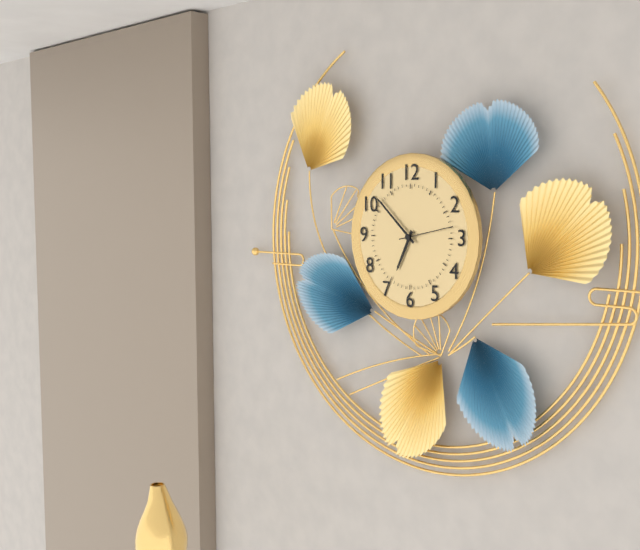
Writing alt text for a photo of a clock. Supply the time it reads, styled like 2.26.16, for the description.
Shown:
6.52.13
